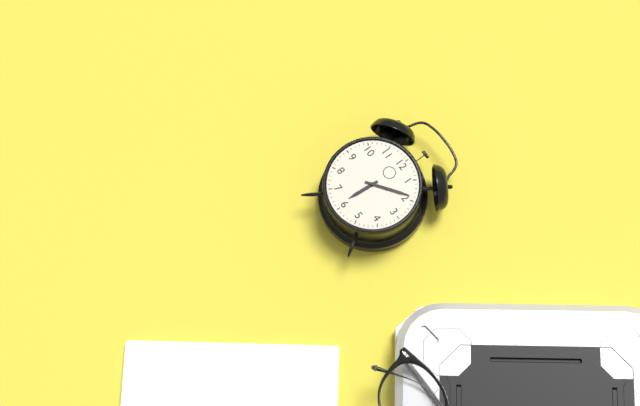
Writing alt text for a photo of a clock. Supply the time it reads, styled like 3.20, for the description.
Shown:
6.09
